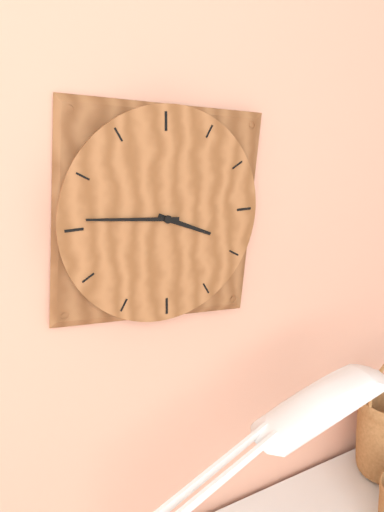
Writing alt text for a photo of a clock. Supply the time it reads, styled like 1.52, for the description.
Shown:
3.46
